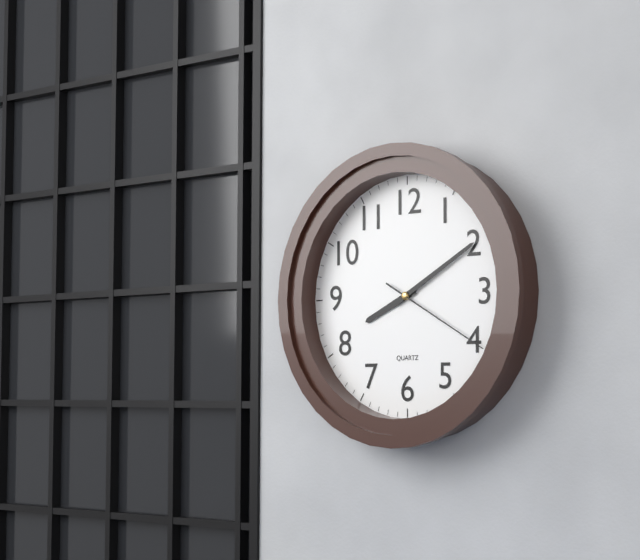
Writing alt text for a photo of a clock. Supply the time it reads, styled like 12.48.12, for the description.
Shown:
8.10.20
